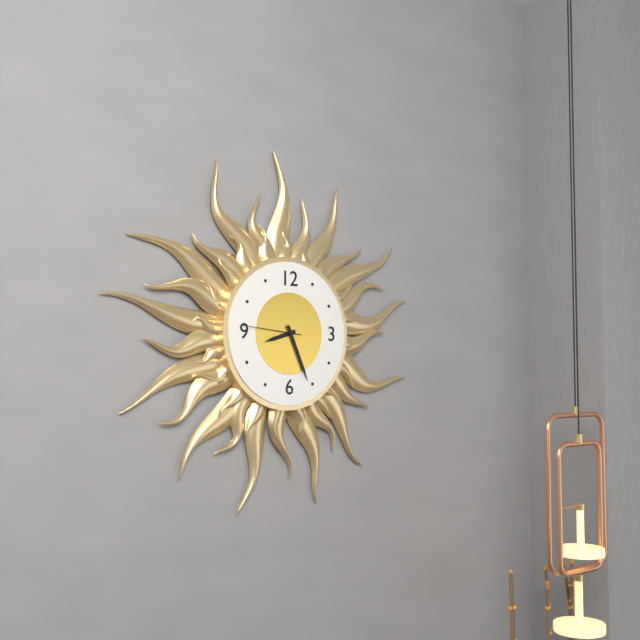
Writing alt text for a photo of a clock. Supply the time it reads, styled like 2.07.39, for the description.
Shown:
8.26.46
